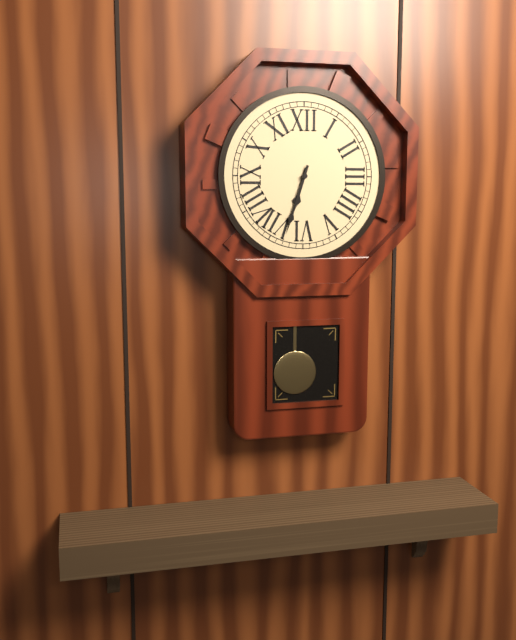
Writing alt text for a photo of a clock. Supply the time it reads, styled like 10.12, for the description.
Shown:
6.33
